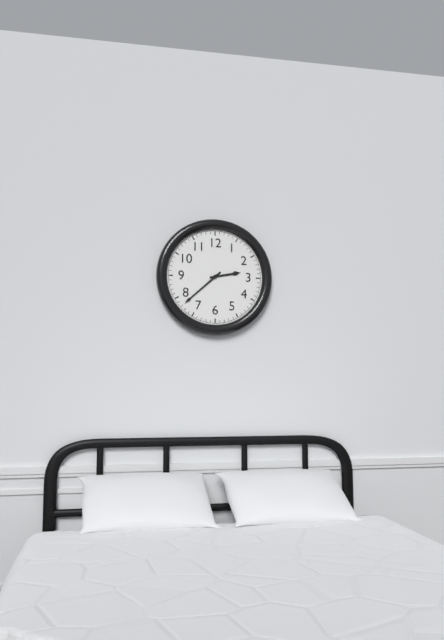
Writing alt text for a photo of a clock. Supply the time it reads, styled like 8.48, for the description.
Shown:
2.38
